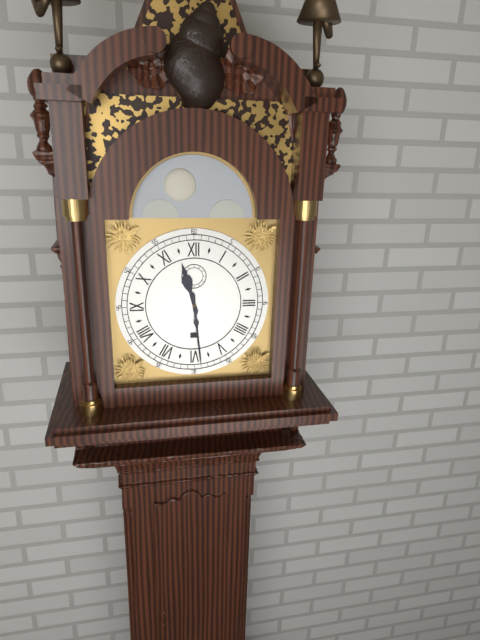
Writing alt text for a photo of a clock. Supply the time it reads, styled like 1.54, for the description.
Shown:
11.29
